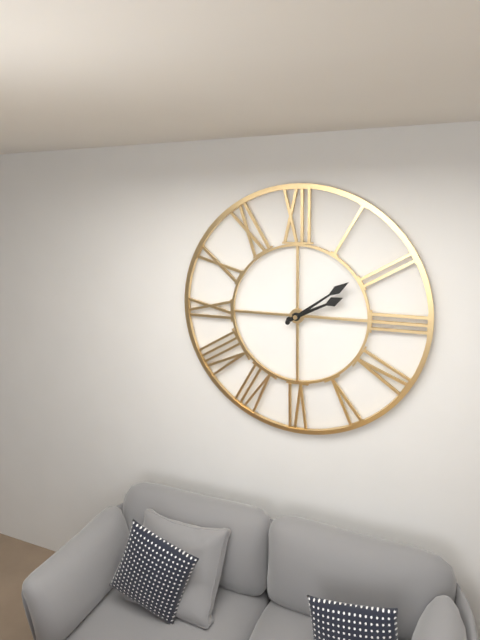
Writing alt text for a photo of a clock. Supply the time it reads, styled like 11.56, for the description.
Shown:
2.09
